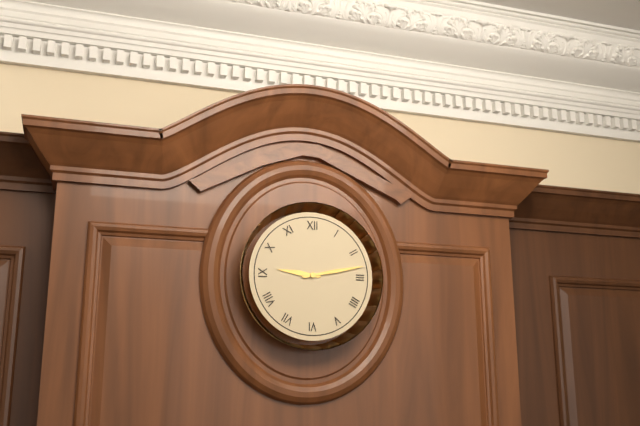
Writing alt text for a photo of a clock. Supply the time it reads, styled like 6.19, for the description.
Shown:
9.13
